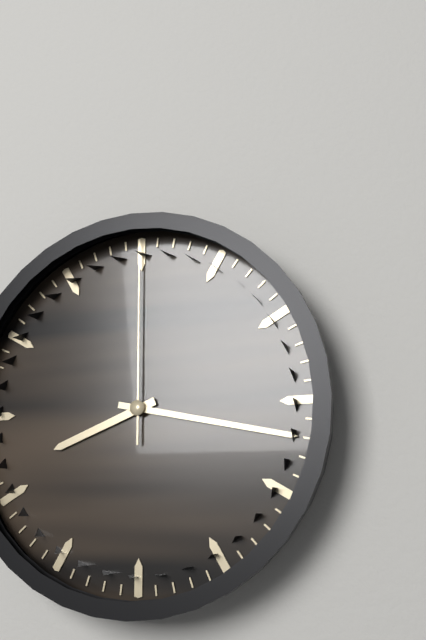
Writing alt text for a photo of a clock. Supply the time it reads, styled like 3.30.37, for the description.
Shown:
8.17.00
